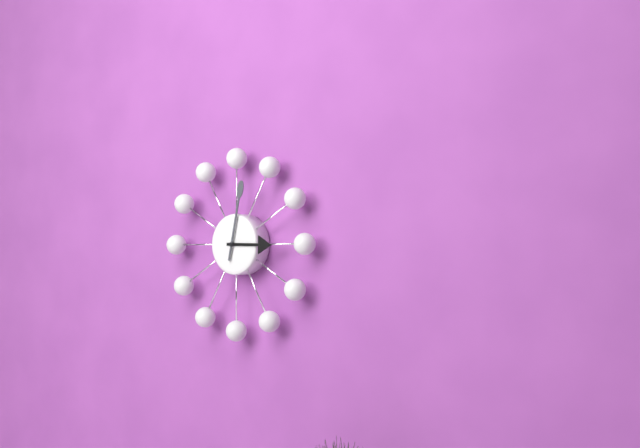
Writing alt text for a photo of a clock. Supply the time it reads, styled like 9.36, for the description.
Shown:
3.02
